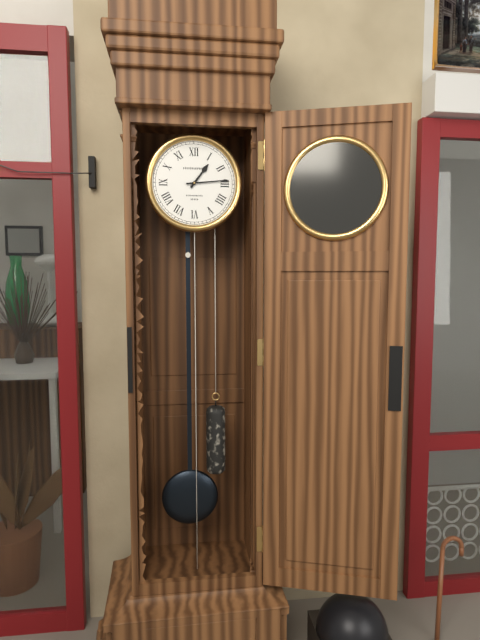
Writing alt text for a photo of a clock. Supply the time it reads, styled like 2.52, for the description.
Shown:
1.14
